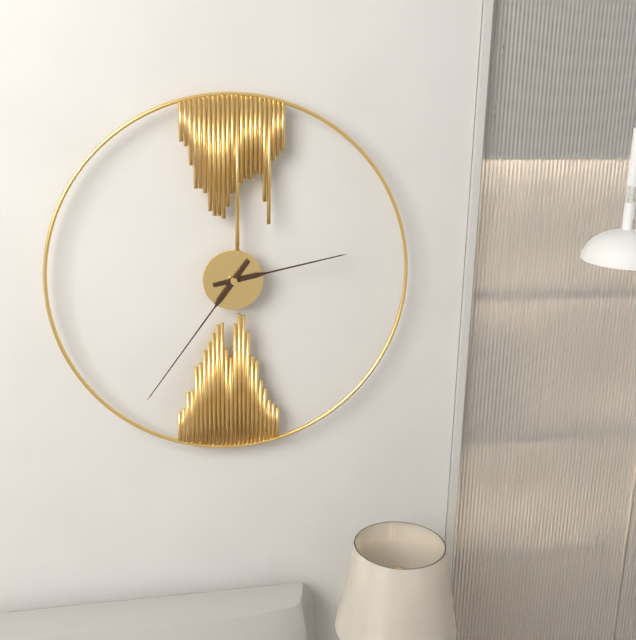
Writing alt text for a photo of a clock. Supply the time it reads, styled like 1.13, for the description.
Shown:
2.36
